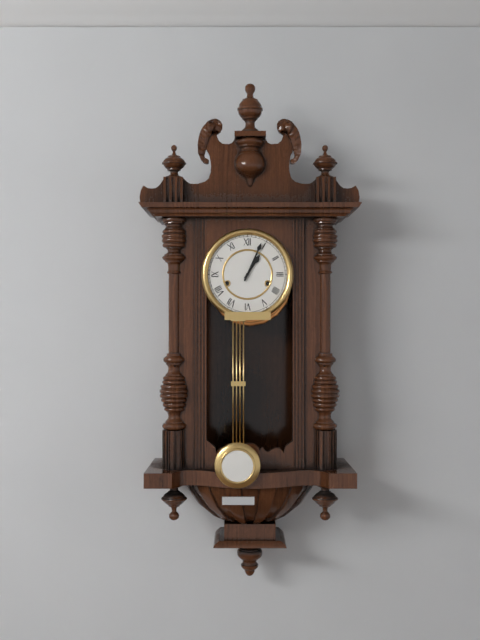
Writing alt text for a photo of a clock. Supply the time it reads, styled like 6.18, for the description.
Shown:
1.04
